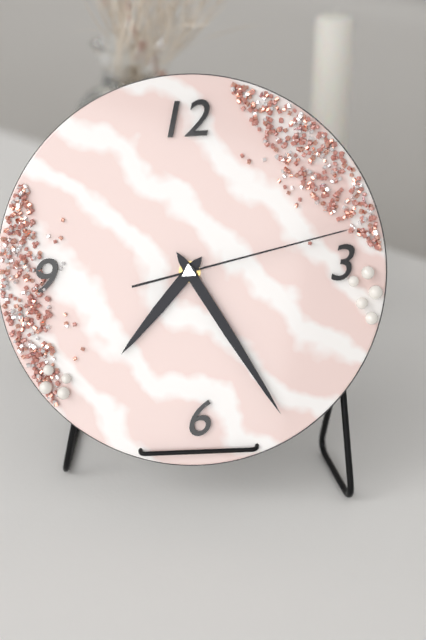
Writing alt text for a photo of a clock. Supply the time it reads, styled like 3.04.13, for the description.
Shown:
7.25.13
